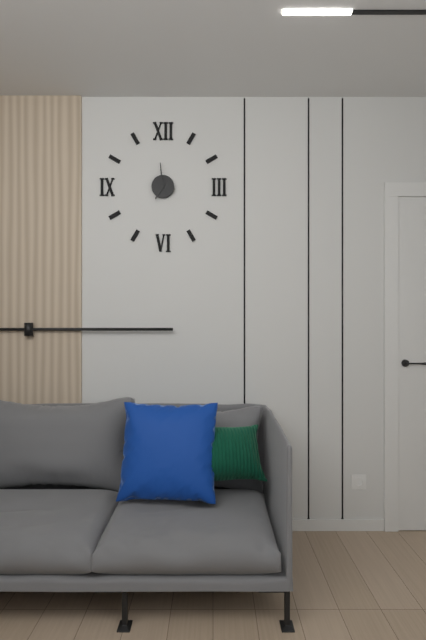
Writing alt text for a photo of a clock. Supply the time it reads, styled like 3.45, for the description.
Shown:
6.59
